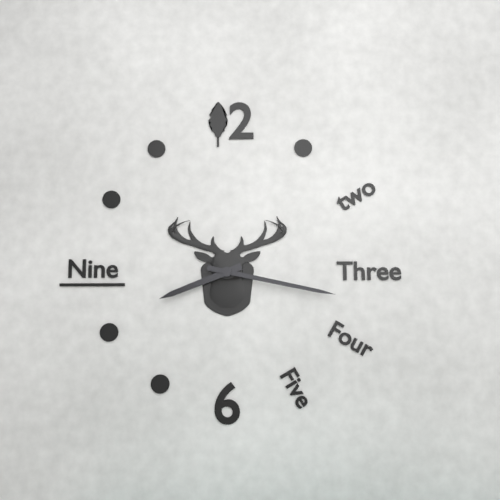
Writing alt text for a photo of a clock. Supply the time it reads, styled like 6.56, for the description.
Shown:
8.17
